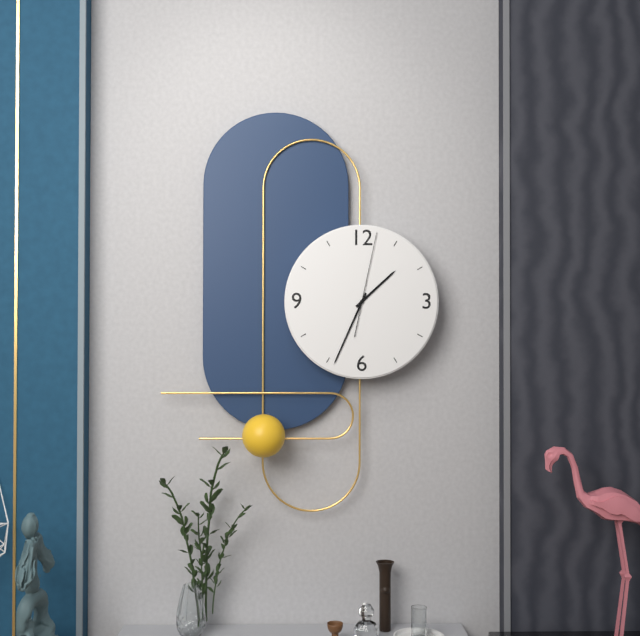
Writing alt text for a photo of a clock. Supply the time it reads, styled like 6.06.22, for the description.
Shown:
1.34.02
